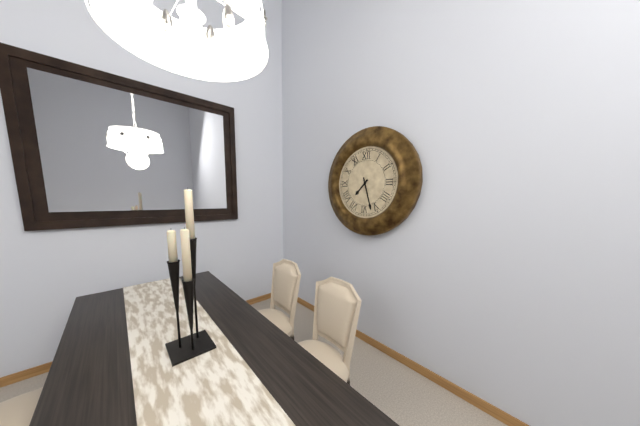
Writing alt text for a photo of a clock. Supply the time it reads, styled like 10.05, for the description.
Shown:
7.27
